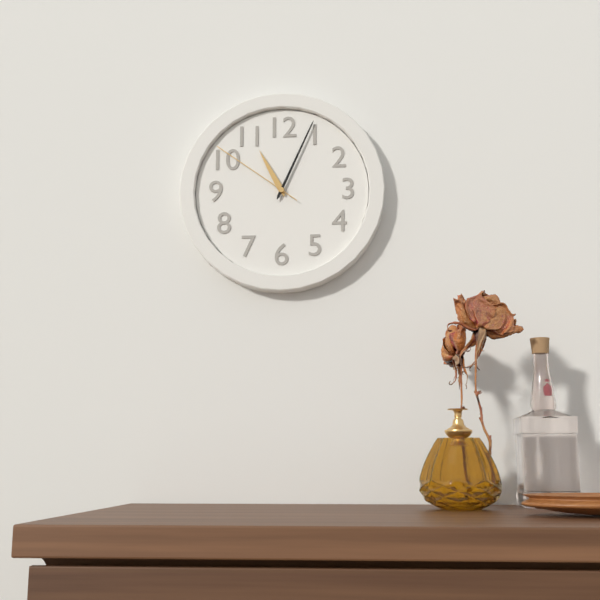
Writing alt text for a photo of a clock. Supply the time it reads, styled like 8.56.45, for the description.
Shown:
11.04.51
